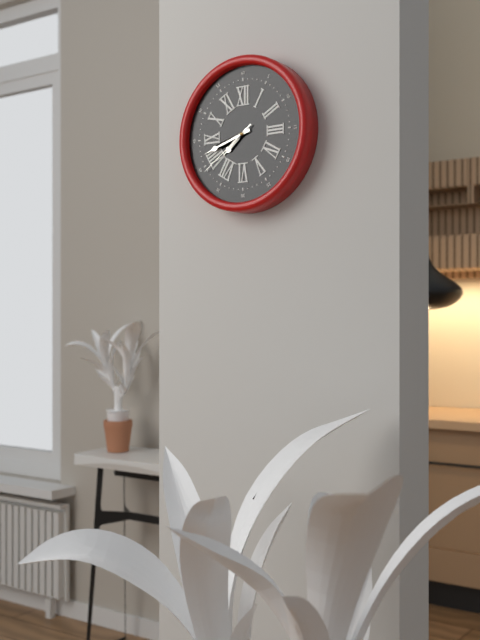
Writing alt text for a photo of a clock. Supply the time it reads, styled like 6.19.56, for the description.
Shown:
7.42.39
